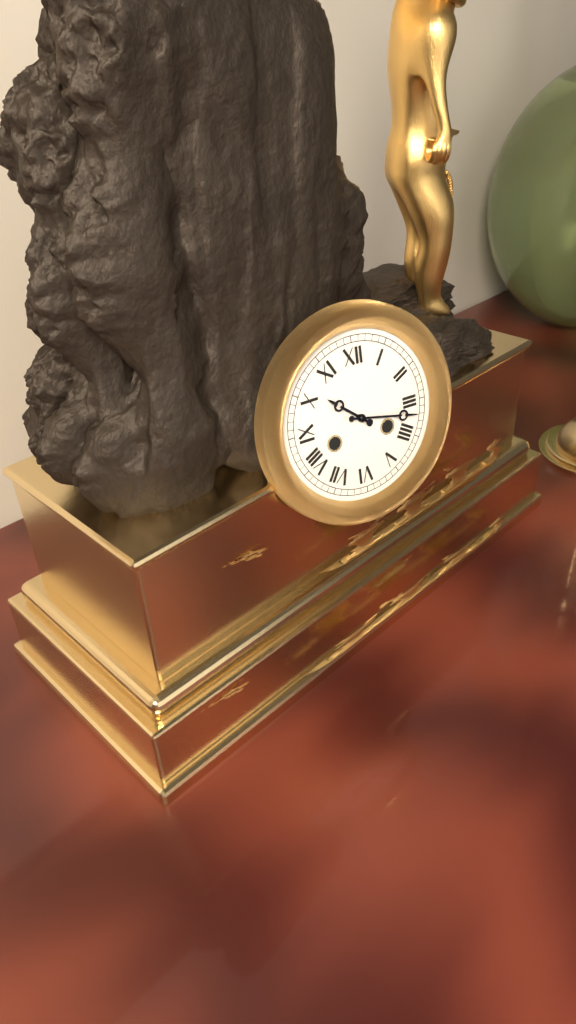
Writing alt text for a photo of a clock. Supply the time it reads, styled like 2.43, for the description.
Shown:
10.17
